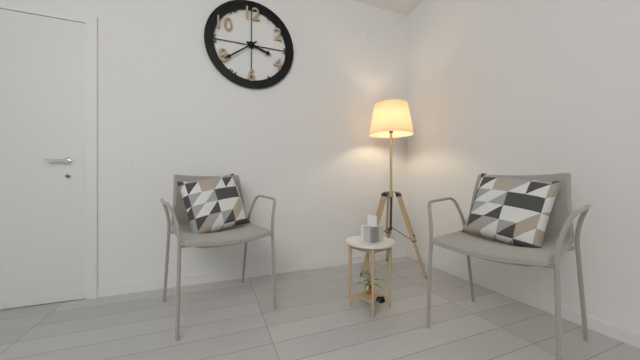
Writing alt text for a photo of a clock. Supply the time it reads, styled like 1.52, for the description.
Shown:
3.39
